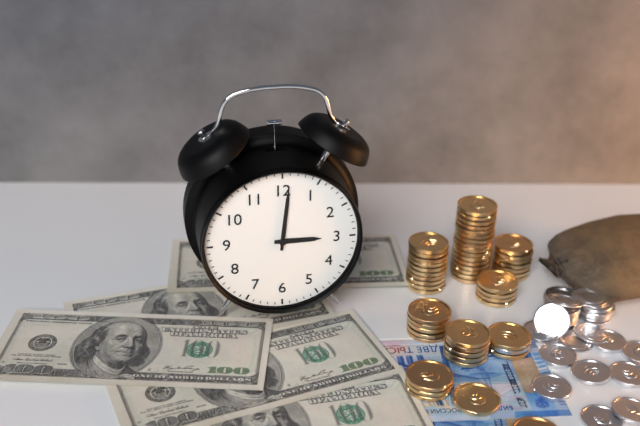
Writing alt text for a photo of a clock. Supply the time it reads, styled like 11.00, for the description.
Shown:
3.01
